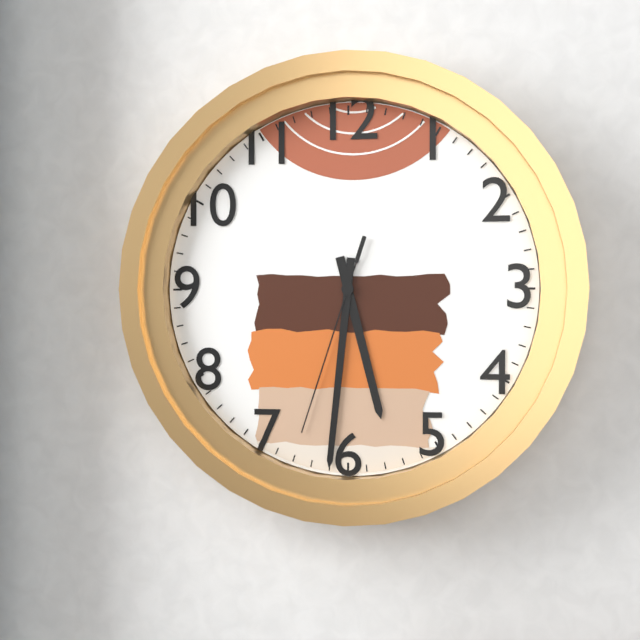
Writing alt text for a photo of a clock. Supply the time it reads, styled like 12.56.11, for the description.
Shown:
5.31.33
